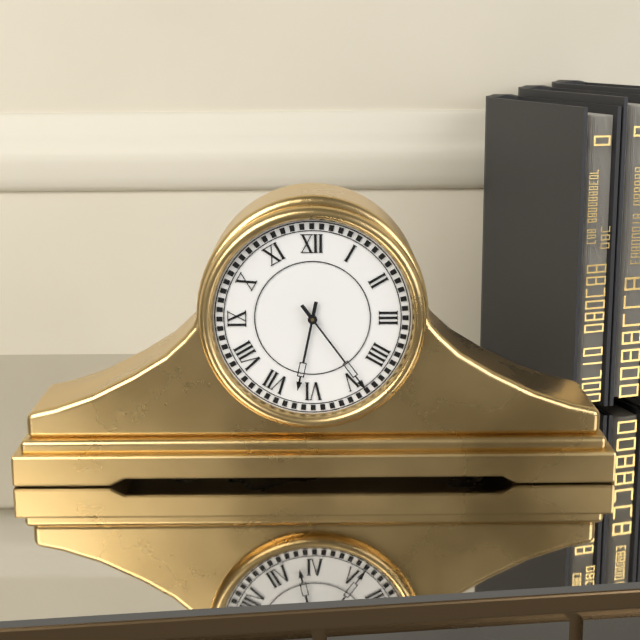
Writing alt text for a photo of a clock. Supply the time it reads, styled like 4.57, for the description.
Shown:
6.24
